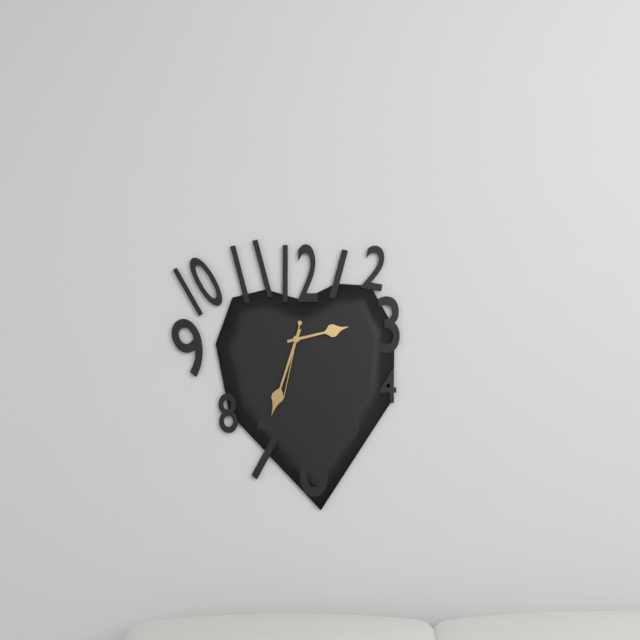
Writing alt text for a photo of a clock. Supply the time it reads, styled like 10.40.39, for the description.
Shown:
2.33.32
